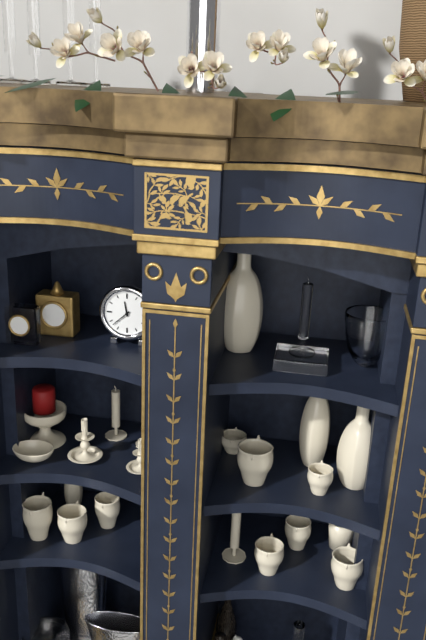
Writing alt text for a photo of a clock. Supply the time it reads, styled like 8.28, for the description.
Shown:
11.38
